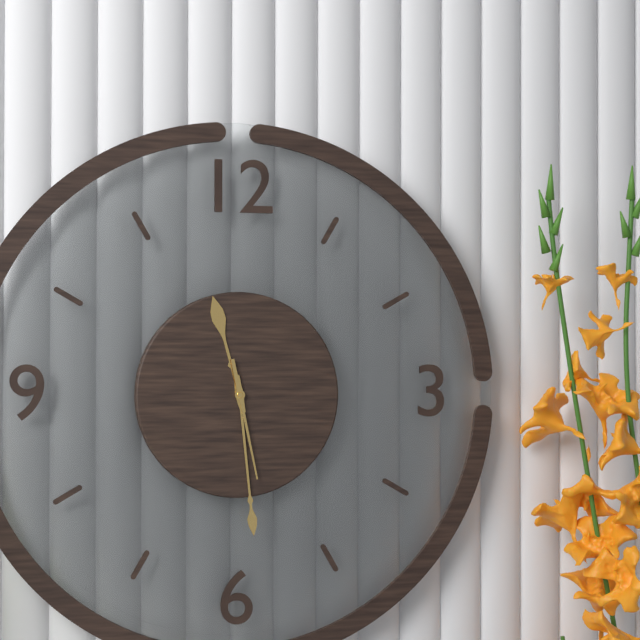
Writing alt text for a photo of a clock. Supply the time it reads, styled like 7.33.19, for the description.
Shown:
11.29.28
